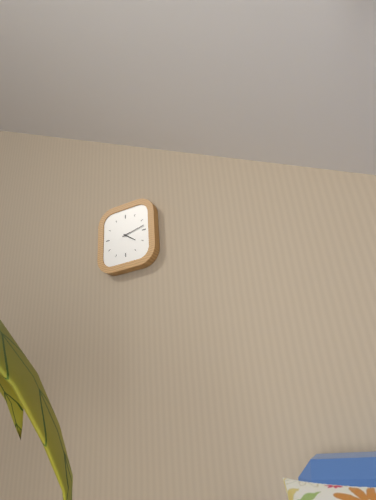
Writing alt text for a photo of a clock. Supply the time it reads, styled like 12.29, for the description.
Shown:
4.13
